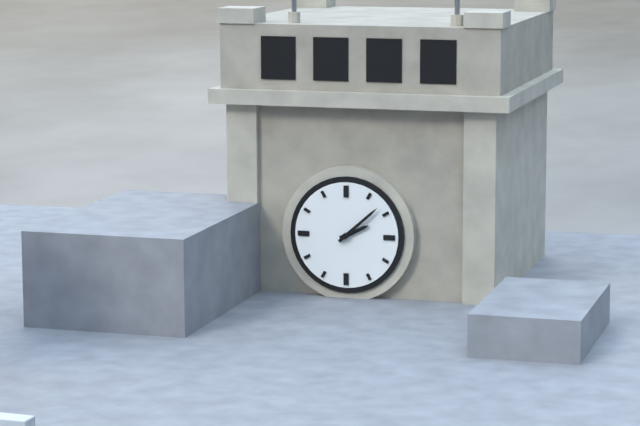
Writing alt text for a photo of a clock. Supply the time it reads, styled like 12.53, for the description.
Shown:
2.08
